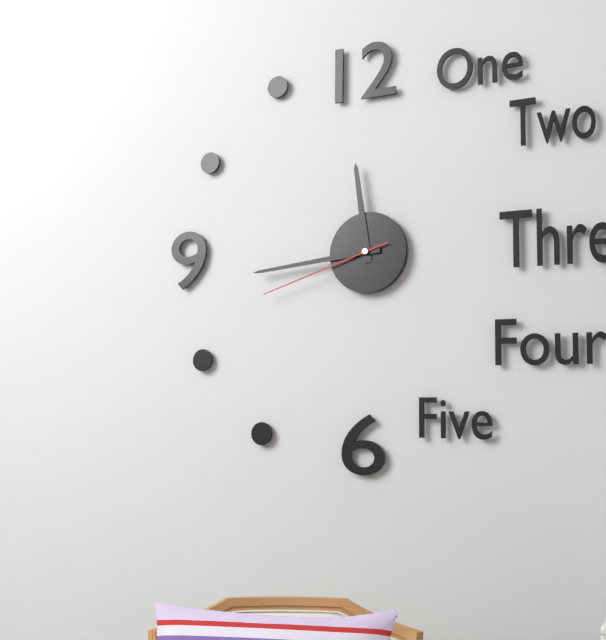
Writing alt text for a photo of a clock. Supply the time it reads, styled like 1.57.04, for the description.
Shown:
11.44.42
